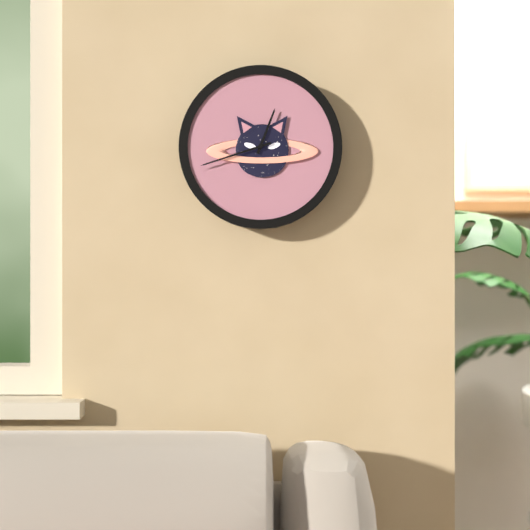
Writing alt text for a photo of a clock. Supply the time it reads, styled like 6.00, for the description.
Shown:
12.42
